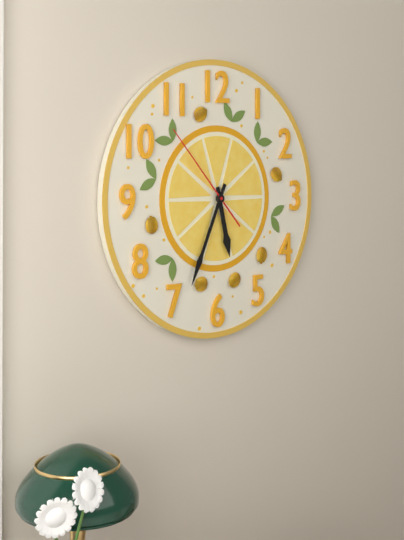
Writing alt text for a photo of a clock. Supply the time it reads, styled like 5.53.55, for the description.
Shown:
5.34.53
